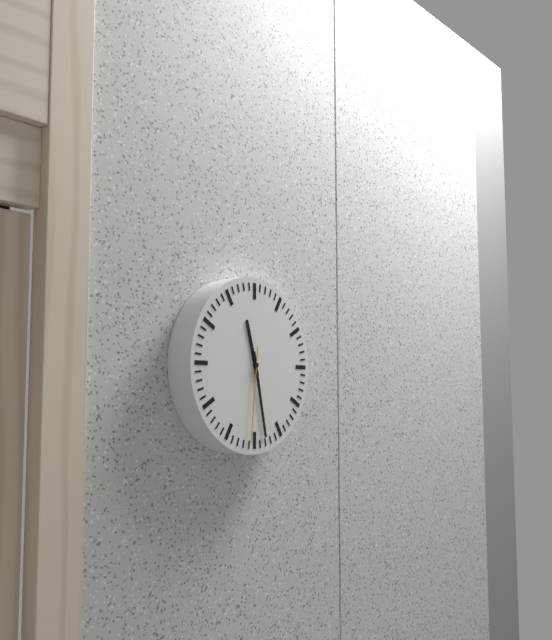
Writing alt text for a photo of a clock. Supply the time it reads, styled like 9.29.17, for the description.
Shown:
11.28.31
